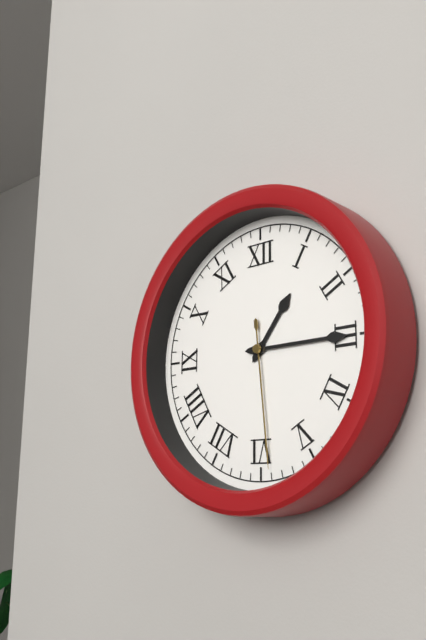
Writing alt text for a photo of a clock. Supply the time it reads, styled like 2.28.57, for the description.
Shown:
1.15.29
